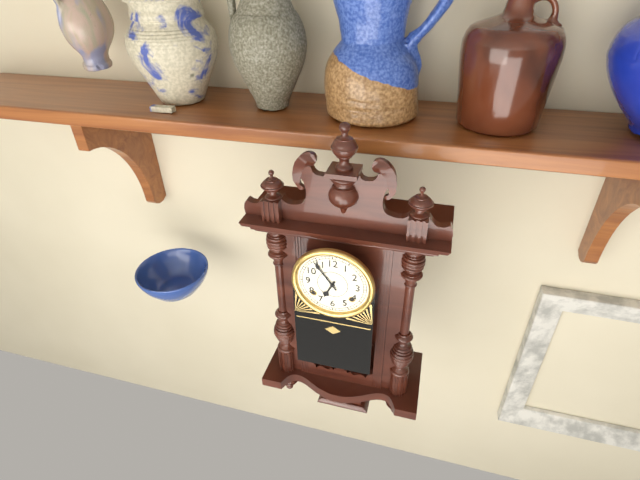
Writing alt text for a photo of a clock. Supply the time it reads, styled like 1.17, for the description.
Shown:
6.54
